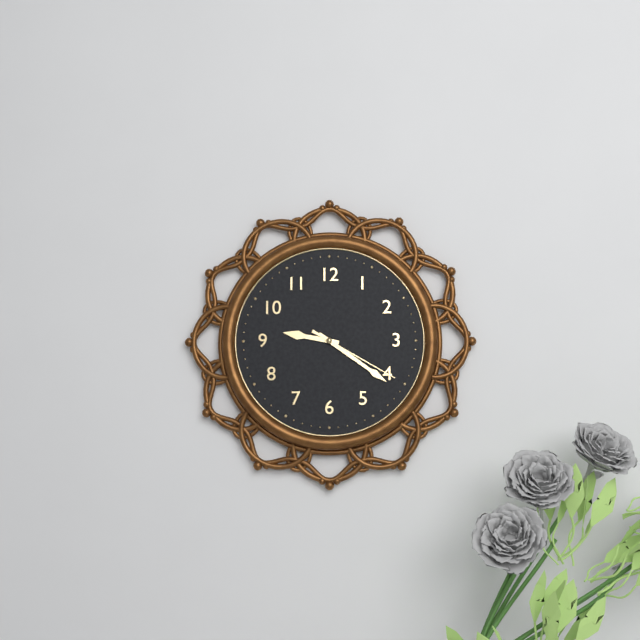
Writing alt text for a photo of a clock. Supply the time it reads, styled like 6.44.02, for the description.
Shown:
9.21.20
